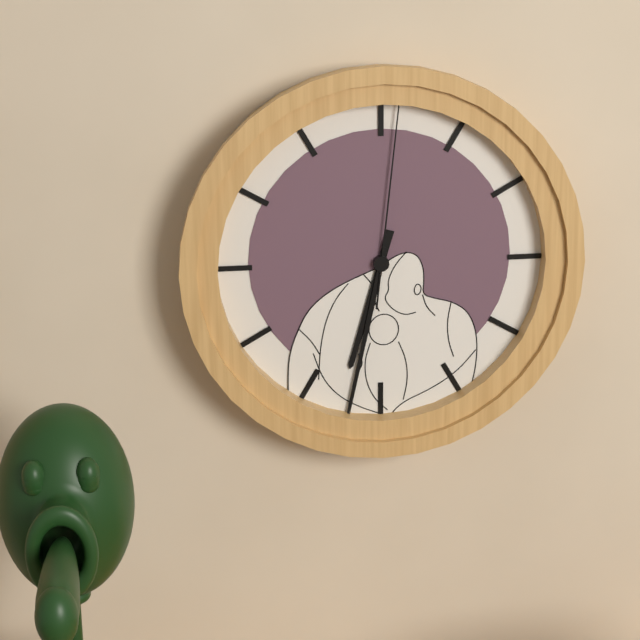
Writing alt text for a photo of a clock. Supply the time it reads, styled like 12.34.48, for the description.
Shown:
6.32.01
